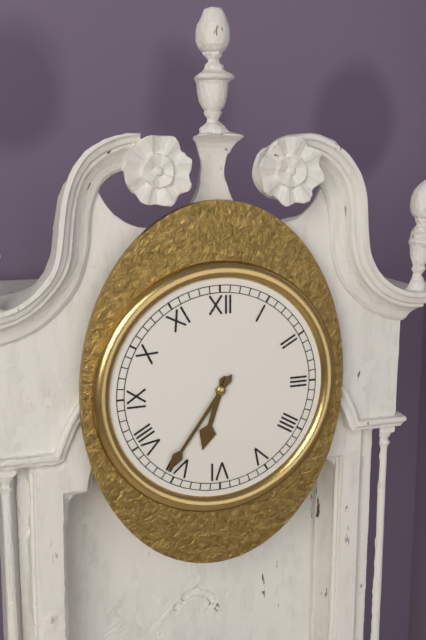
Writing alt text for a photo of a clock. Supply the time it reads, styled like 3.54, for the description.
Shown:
6.36
